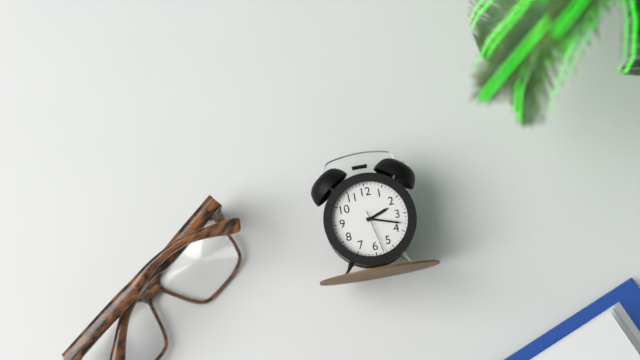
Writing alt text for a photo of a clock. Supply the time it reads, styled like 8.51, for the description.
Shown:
2.18
